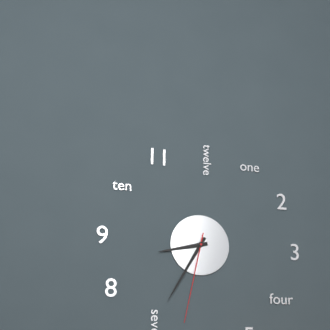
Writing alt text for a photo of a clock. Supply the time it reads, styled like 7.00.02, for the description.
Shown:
8.35.32
